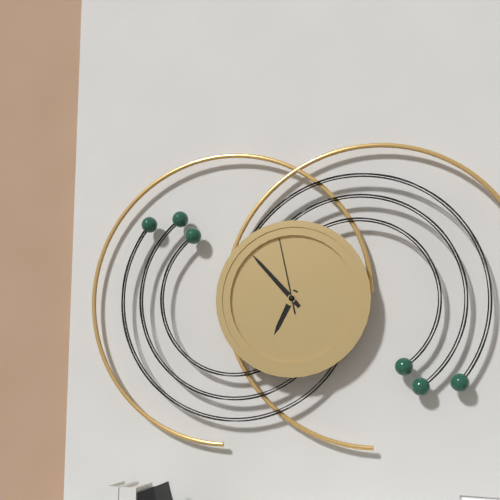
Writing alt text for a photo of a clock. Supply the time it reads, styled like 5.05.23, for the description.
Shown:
6.53.58
